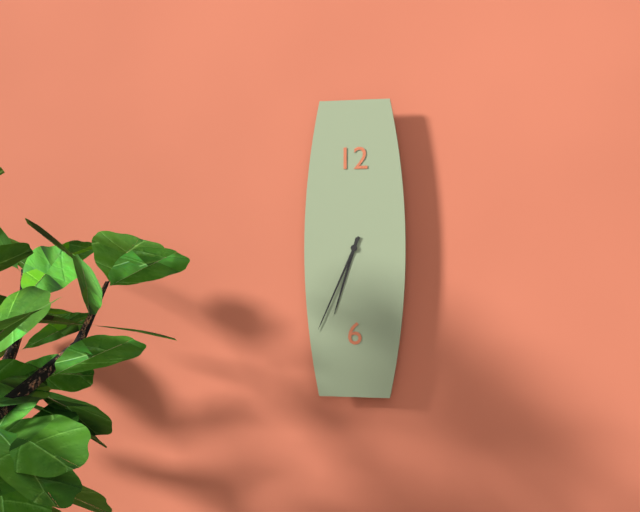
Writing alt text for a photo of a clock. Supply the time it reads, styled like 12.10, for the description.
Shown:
6.34
